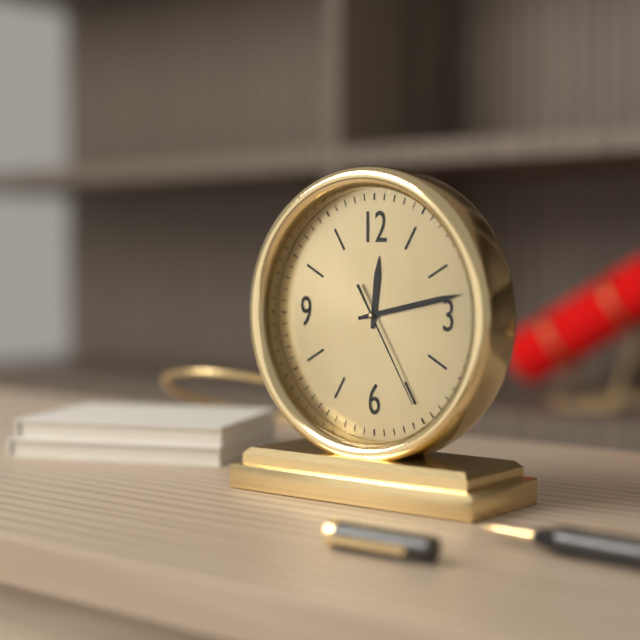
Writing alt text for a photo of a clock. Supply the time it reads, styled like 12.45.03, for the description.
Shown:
12.13.25
